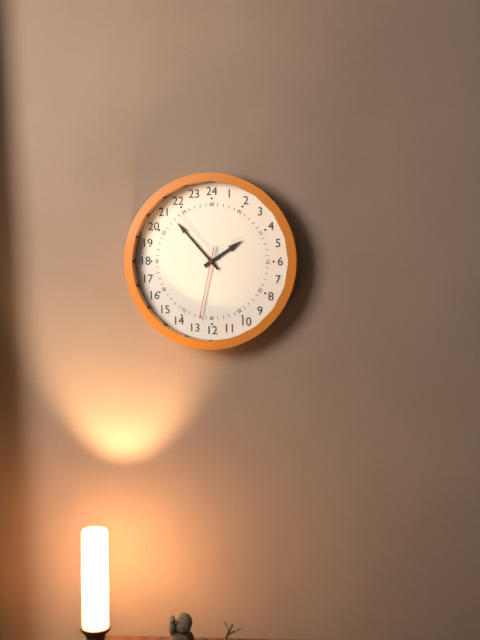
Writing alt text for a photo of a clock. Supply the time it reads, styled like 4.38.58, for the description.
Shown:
1.53.32
